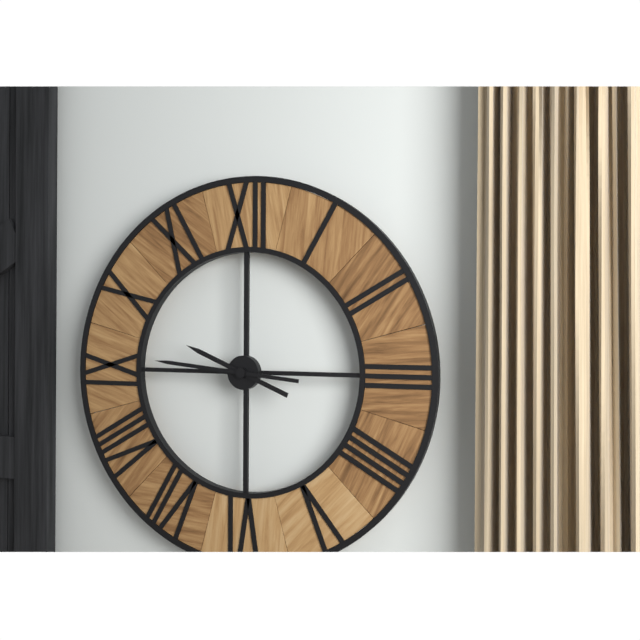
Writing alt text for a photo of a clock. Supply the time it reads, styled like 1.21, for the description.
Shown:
9.46
